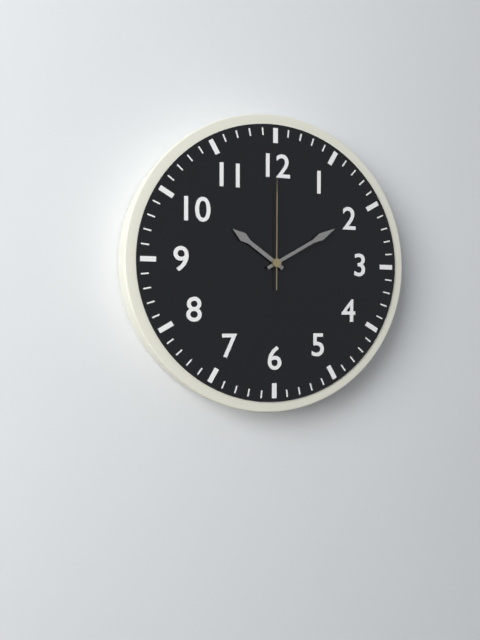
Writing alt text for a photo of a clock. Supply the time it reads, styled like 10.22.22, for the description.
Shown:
10.10.00
